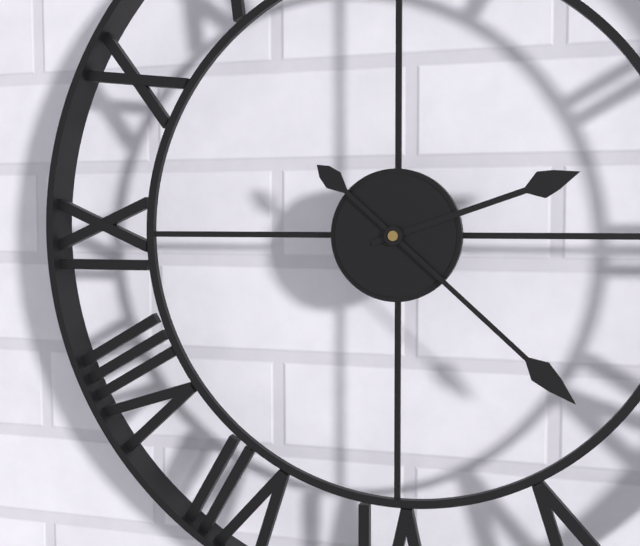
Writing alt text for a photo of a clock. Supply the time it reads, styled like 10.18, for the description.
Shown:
2.22
